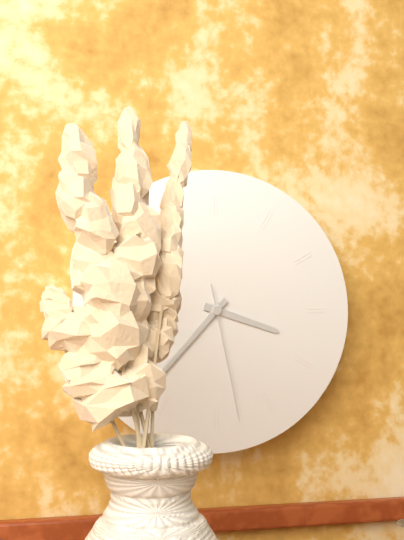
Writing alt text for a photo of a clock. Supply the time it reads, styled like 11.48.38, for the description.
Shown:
3.37.28
